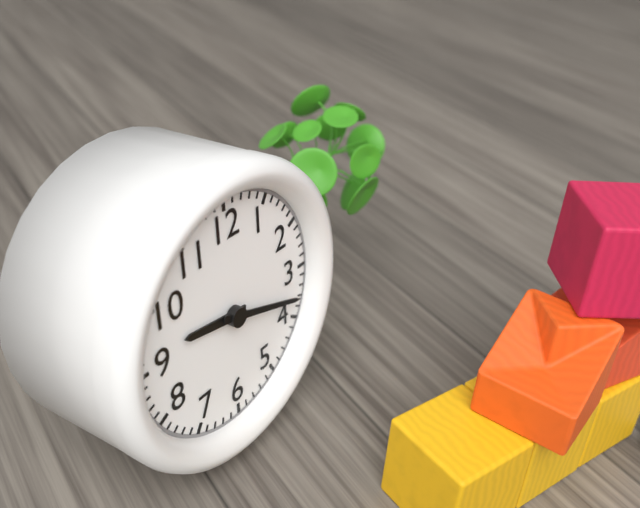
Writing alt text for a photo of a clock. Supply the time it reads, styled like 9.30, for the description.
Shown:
9.18
